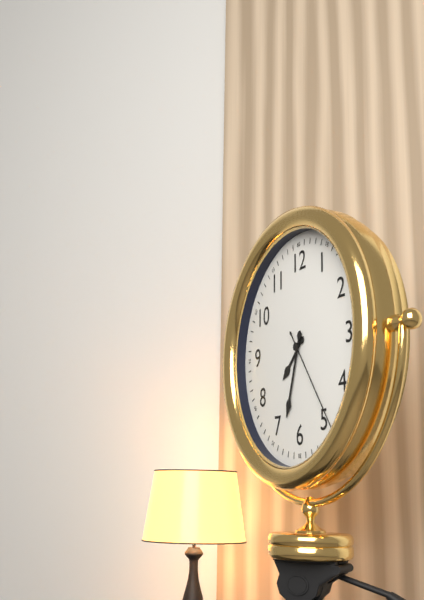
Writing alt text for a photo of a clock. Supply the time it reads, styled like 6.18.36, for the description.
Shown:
7.33.24
